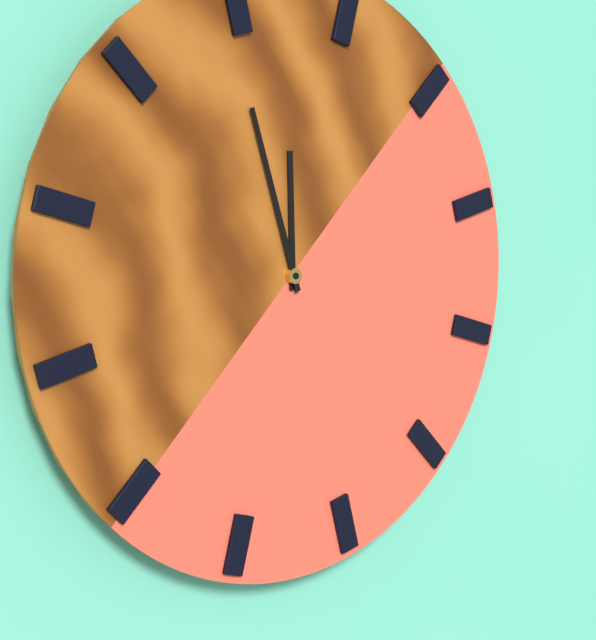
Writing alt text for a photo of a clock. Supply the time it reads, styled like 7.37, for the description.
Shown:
11.57
